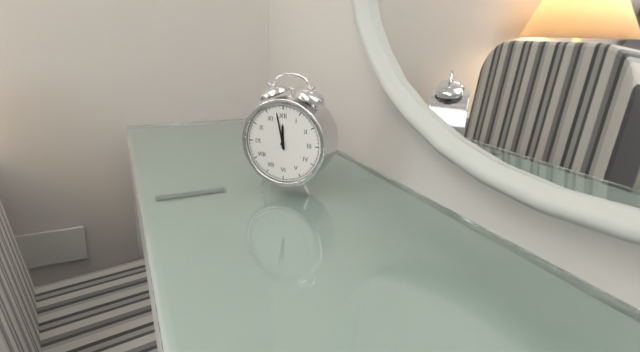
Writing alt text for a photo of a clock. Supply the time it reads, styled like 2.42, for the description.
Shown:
11.58
